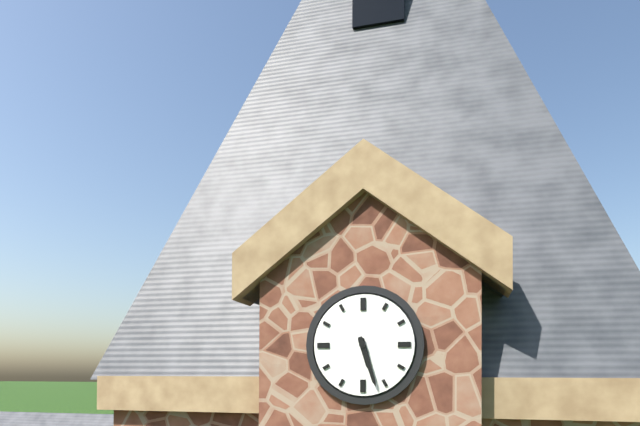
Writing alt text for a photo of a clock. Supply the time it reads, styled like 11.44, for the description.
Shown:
5.27
